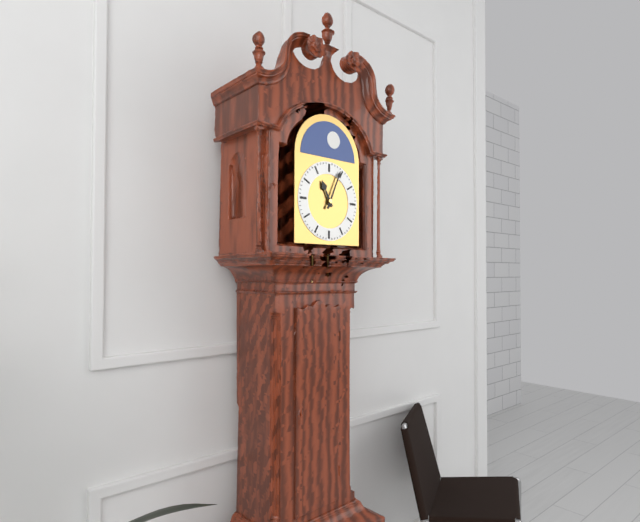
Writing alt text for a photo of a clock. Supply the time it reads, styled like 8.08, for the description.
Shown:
11.04
